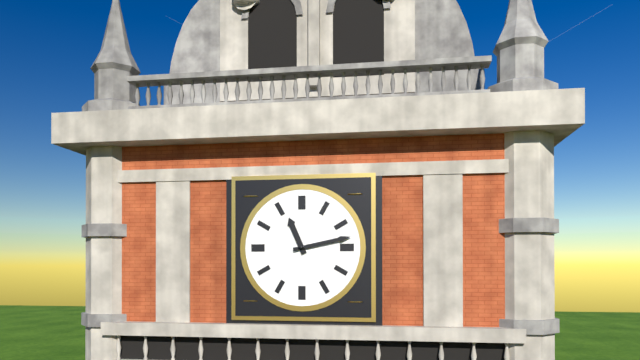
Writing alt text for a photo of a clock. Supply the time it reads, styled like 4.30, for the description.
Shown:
11.13
